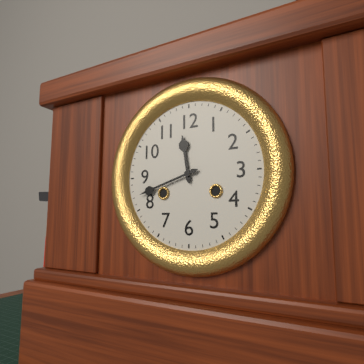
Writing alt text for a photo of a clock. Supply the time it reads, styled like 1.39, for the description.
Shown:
11.42
